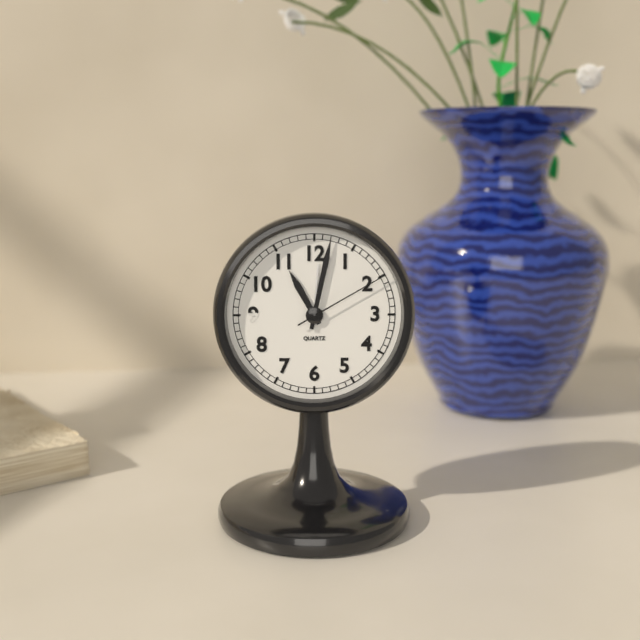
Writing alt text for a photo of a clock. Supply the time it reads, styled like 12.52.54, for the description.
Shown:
11.02.10
